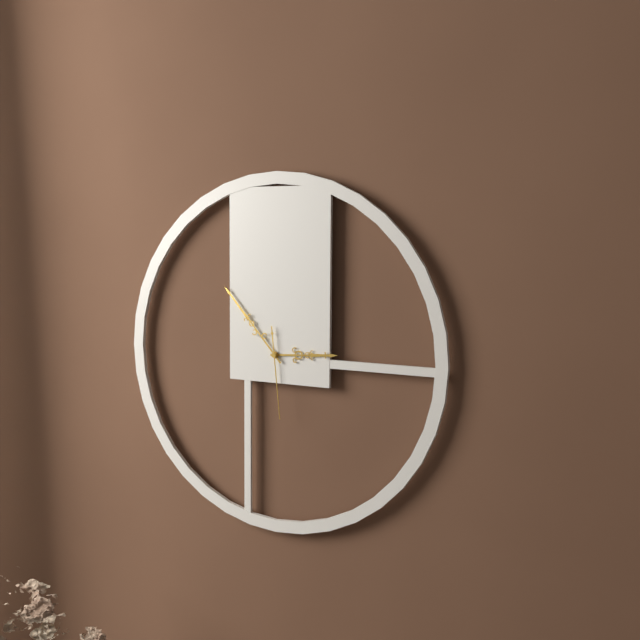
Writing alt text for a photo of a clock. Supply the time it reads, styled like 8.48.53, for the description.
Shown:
2.53.29
